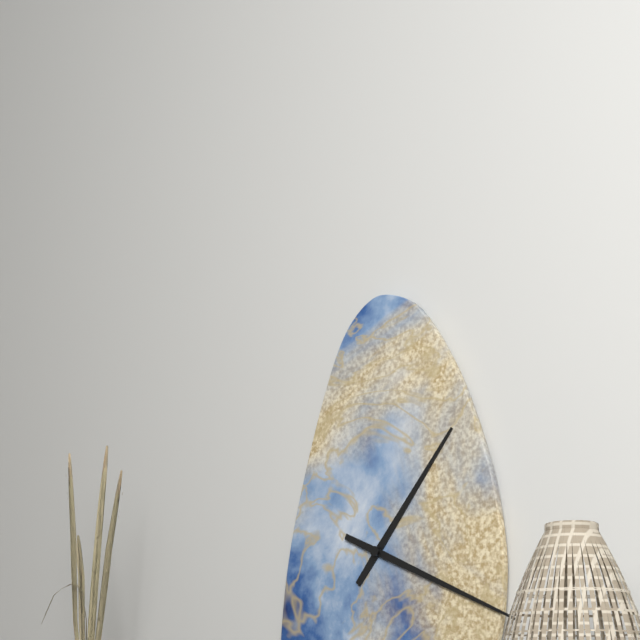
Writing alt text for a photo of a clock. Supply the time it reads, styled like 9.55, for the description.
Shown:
1.19
